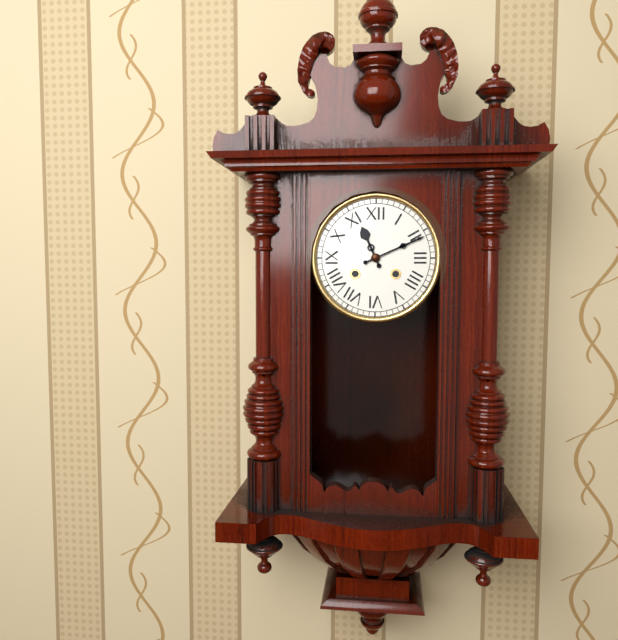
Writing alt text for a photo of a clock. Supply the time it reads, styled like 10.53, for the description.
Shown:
11.11
